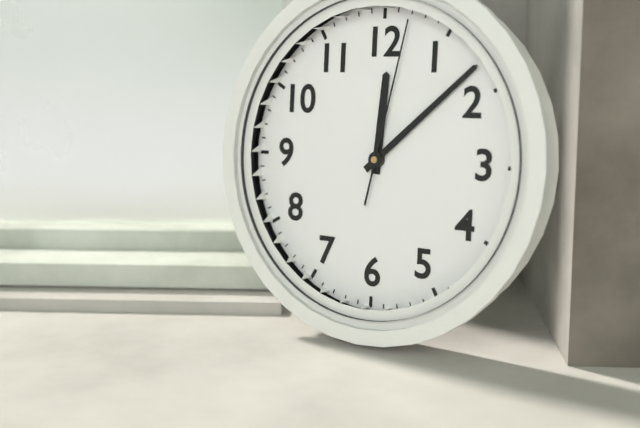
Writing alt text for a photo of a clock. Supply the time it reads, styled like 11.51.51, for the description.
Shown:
12.08.02
